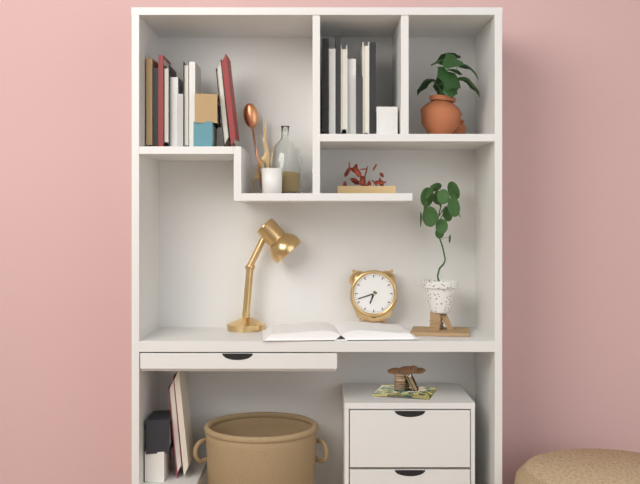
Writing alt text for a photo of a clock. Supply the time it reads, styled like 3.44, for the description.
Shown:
6.42
